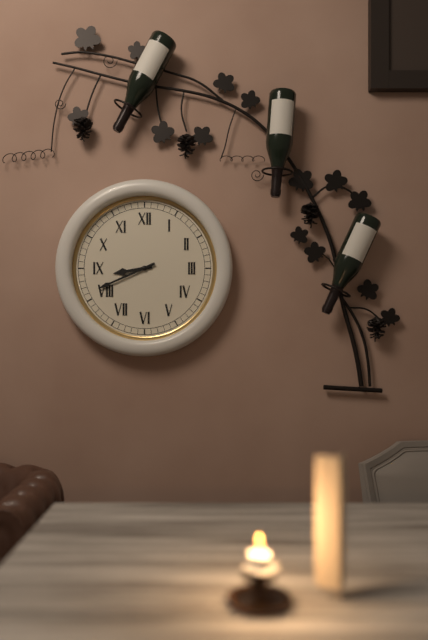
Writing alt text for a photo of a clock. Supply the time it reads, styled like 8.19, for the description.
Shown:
8.41
